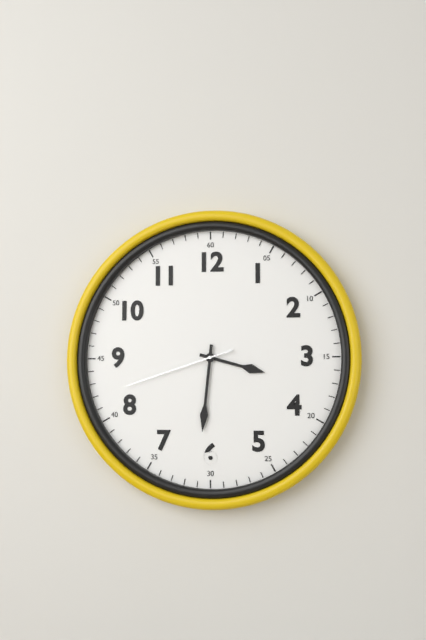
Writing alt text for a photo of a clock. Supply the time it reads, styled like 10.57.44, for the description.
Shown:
3.31.42
